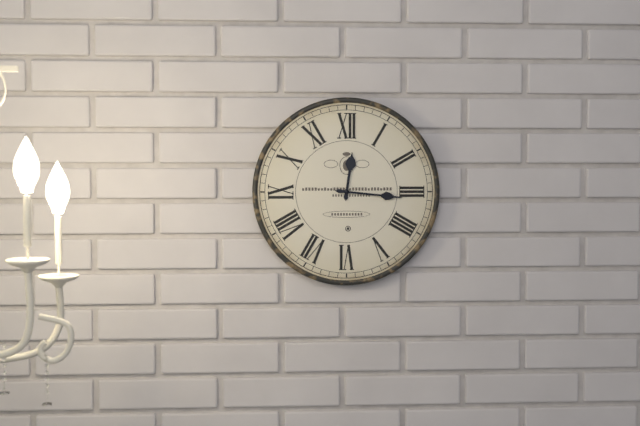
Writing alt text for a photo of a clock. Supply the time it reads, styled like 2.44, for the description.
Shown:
12.16
